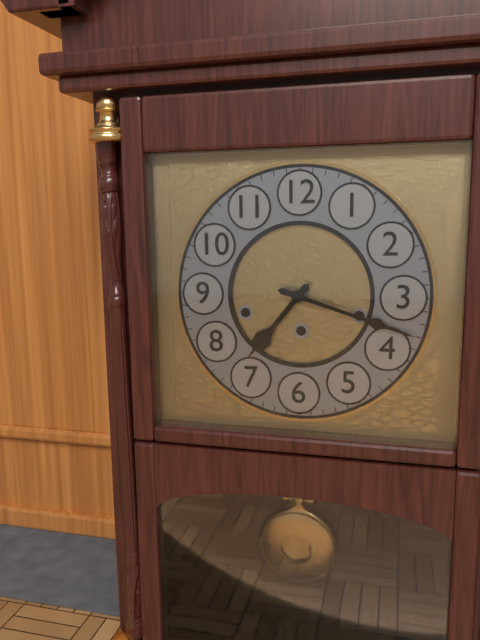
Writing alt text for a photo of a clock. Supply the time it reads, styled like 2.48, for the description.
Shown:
7.18
